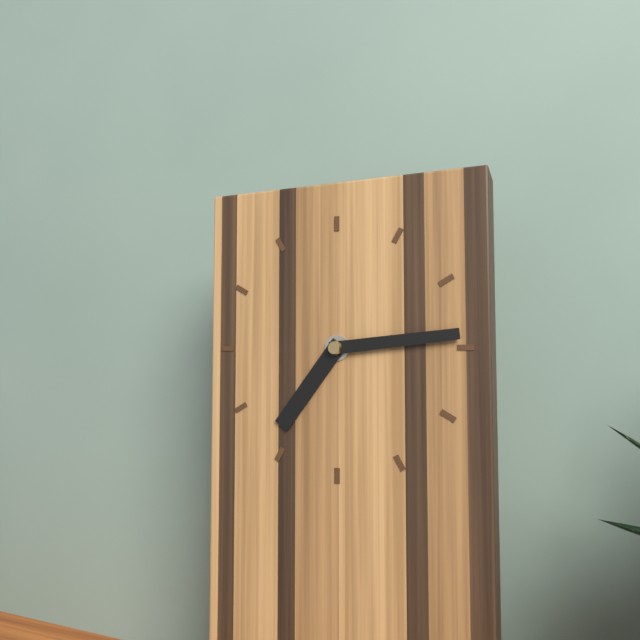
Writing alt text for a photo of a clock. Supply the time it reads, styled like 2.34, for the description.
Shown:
7.14
